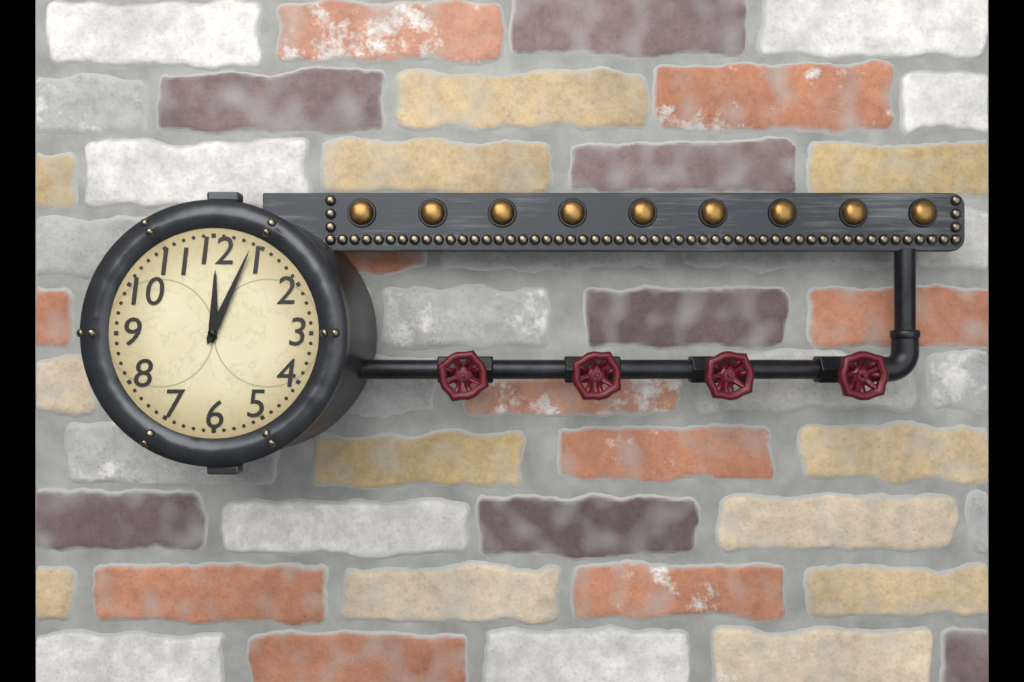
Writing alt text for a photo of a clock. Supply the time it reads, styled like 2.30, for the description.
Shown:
12.04
